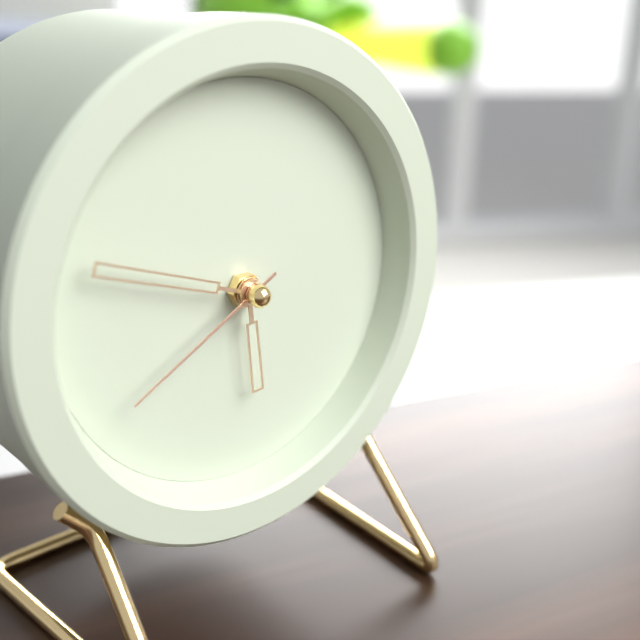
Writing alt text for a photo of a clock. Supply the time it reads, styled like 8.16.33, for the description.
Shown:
5.48.40
